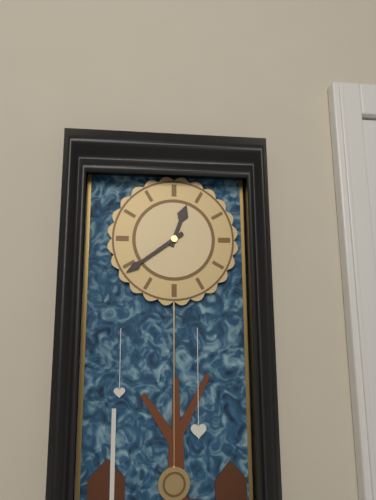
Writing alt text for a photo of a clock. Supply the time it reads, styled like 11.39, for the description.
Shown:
12.39
